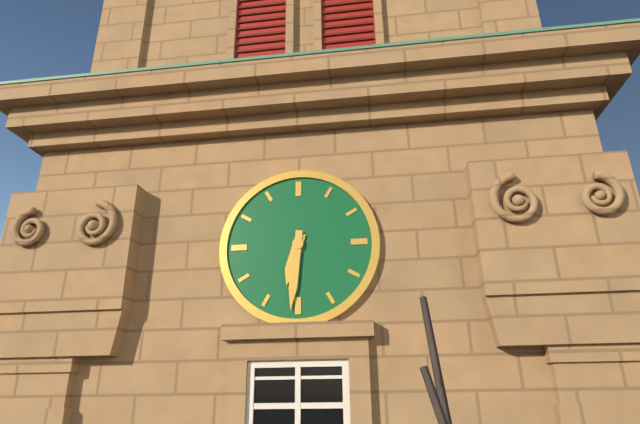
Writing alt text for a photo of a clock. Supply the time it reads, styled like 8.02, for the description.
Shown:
6.31
